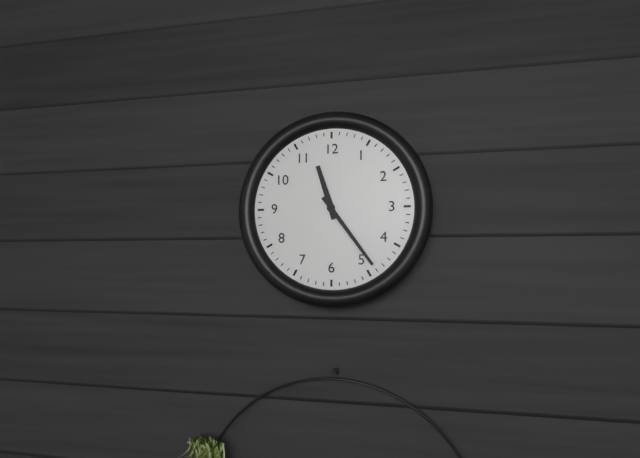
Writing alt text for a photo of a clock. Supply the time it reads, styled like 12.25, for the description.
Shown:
11.24
